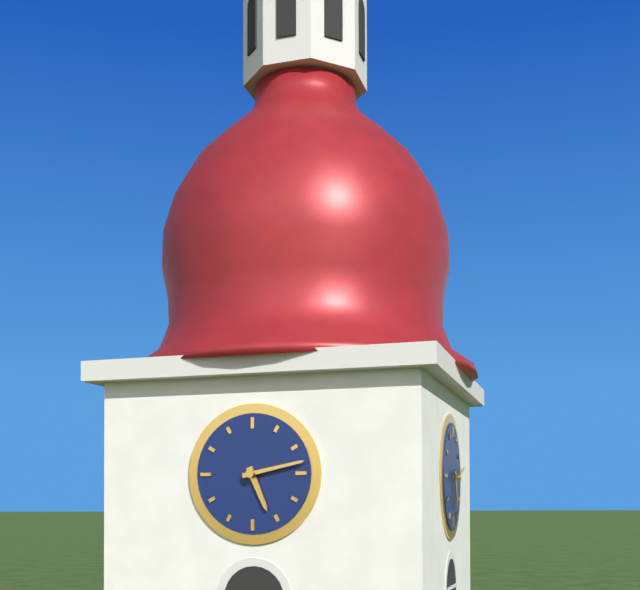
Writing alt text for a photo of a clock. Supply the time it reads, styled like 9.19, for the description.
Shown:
5.13
